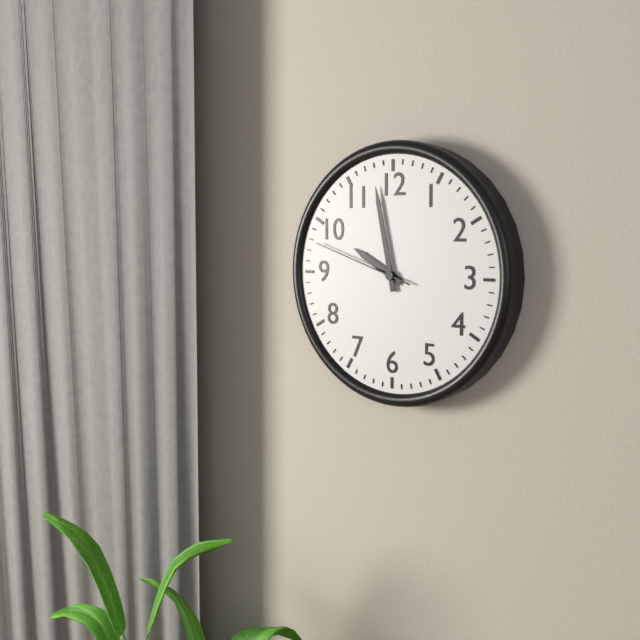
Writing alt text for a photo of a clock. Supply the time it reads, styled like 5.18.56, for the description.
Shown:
9.58.48
